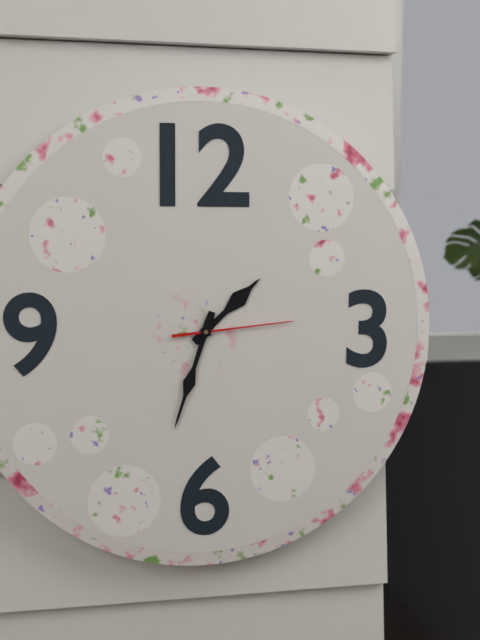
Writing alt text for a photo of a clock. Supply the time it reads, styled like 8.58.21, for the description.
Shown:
1.33.14
